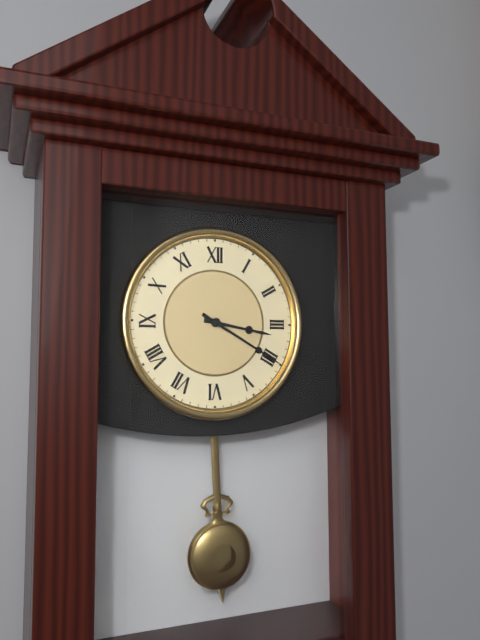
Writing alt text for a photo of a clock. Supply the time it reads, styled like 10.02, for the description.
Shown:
3.20
